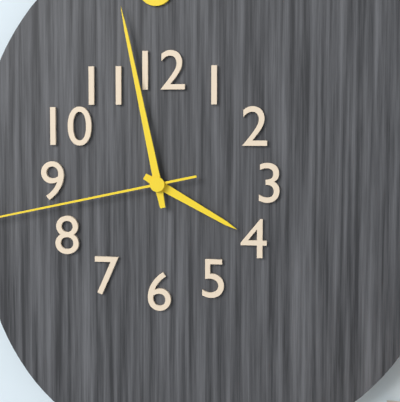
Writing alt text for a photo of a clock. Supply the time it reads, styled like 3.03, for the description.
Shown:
3.58
